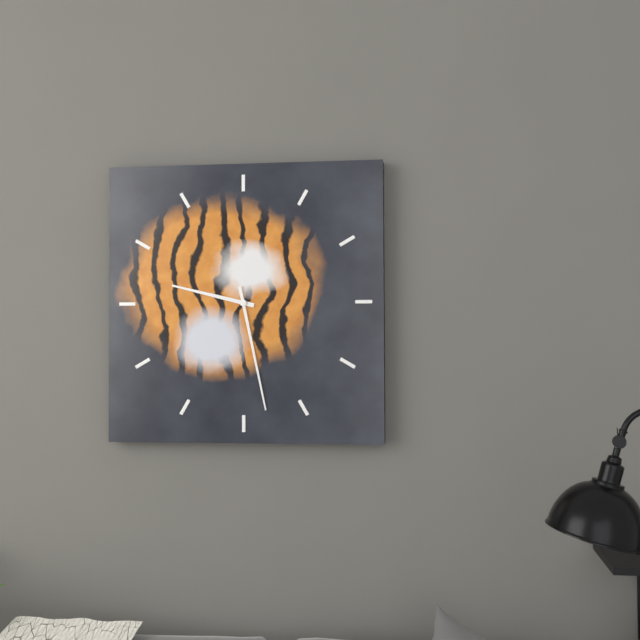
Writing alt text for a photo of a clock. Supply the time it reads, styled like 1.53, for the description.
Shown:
9.28
